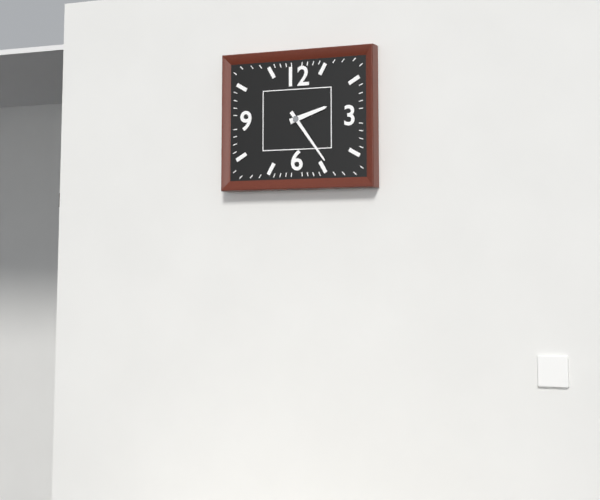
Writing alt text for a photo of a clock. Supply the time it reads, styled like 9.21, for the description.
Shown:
2.24
